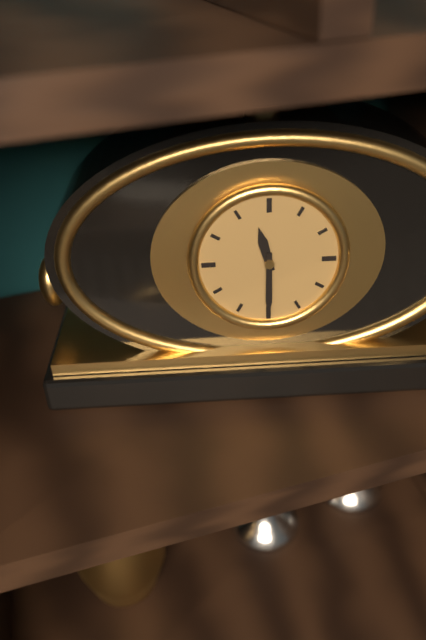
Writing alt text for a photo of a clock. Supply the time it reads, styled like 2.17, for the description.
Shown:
11.30
